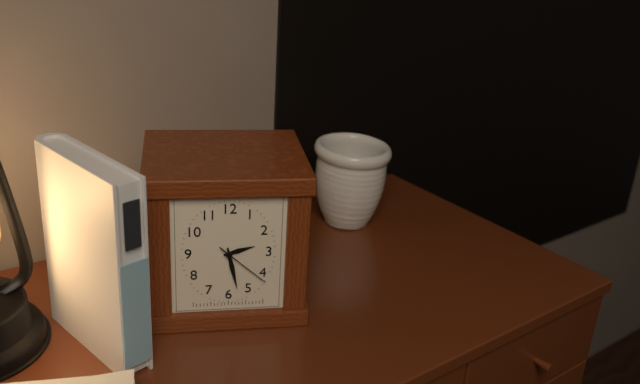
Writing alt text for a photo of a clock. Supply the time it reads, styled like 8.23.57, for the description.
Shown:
2.28.22
